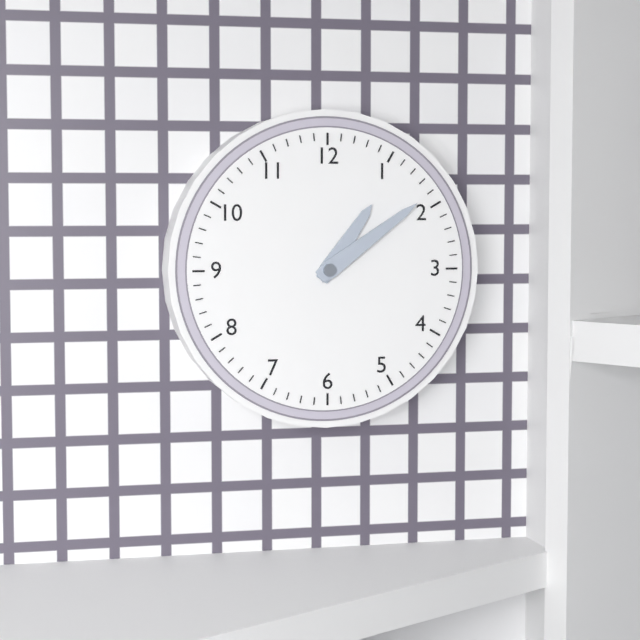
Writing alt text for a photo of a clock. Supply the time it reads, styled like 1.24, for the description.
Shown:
1.09
